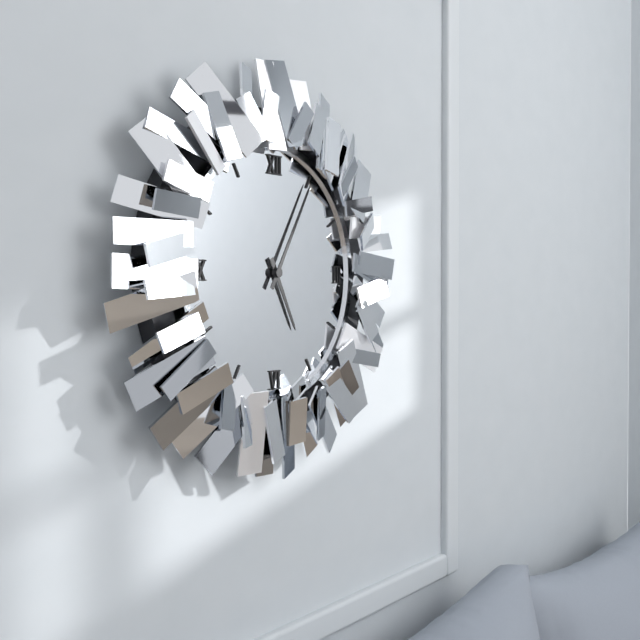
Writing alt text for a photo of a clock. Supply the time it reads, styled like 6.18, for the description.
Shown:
5.05
